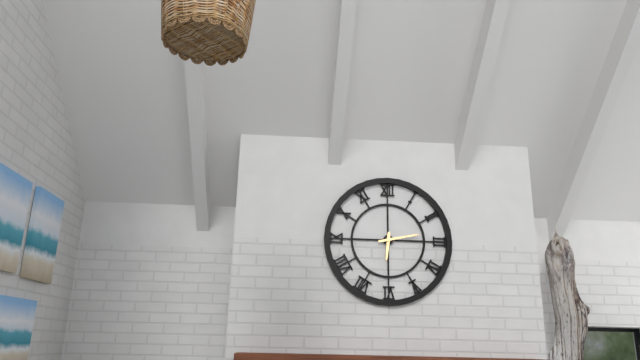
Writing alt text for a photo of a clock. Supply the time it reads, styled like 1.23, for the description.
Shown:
6.13
